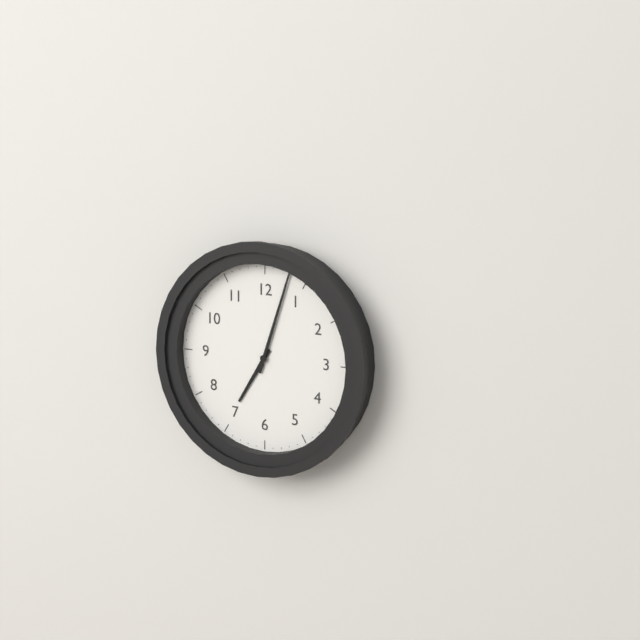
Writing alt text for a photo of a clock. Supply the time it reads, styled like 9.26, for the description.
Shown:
7.03
